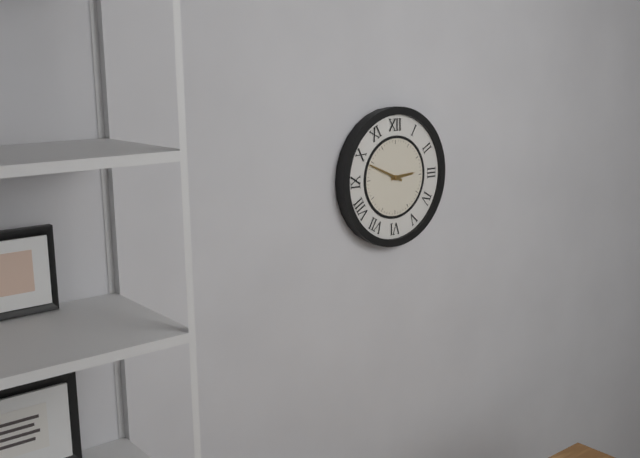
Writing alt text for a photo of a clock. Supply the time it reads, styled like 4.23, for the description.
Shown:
2.49
